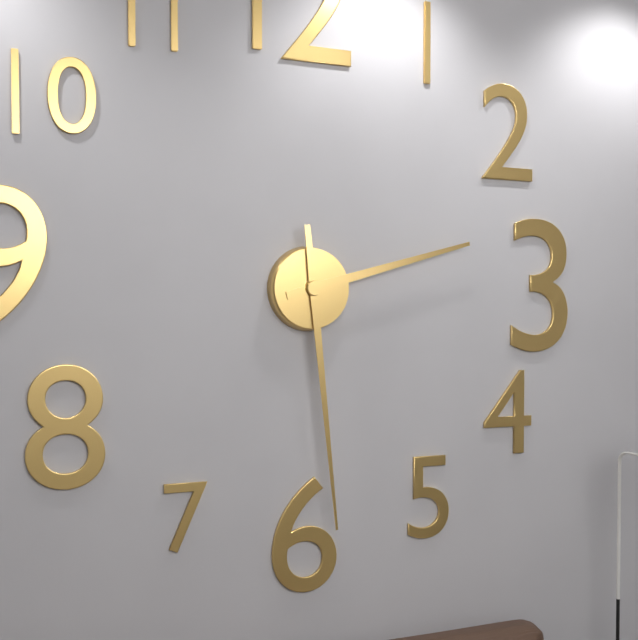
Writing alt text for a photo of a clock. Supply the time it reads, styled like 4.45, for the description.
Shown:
2.29
